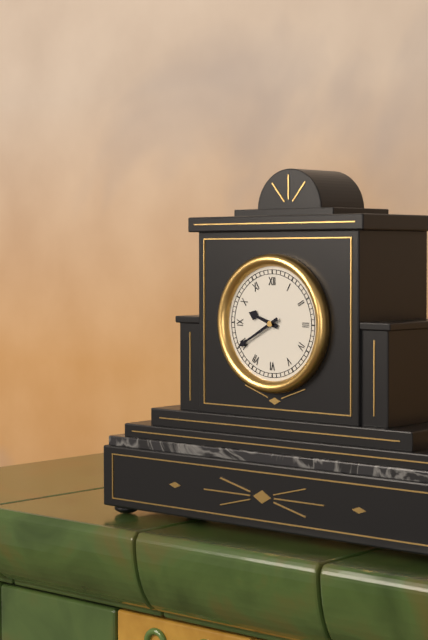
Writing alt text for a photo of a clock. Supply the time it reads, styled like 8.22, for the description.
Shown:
9.40
